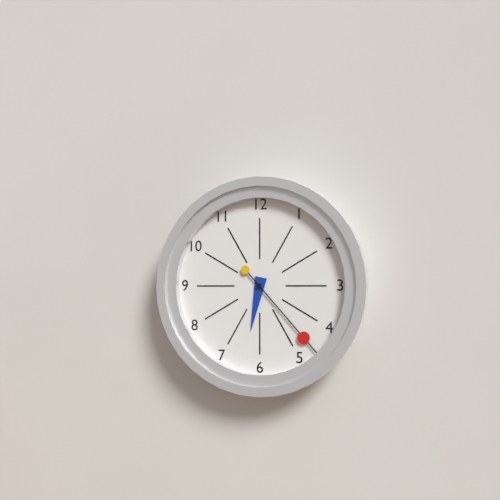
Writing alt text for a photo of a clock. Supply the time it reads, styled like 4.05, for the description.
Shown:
6.23
